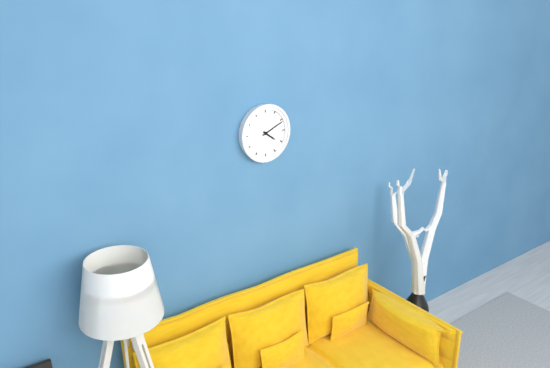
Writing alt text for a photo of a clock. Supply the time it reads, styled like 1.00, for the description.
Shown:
4.11
